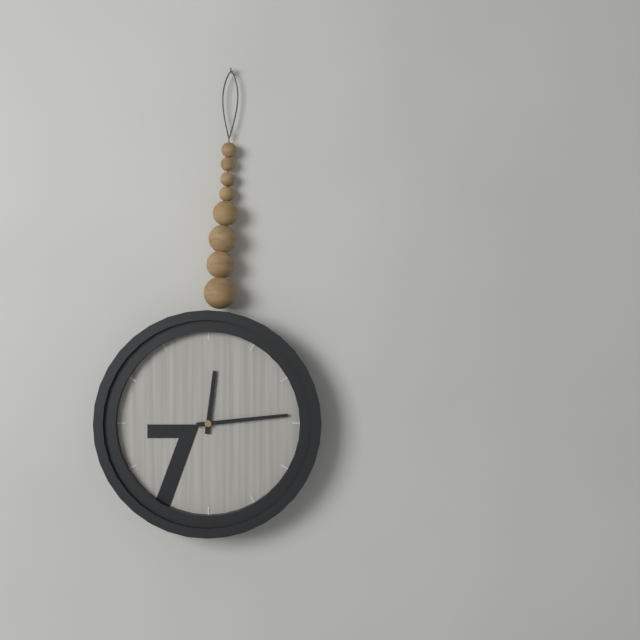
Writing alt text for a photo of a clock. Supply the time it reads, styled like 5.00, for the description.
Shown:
12.14
